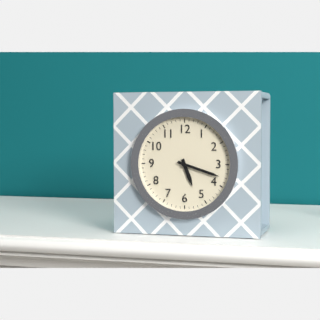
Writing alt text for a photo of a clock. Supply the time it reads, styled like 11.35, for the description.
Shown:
5.18
